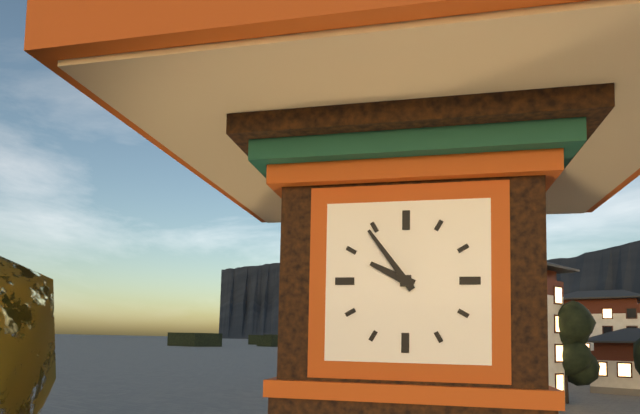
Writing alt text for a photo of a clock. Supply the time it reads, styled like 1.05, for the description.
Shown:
9.54
